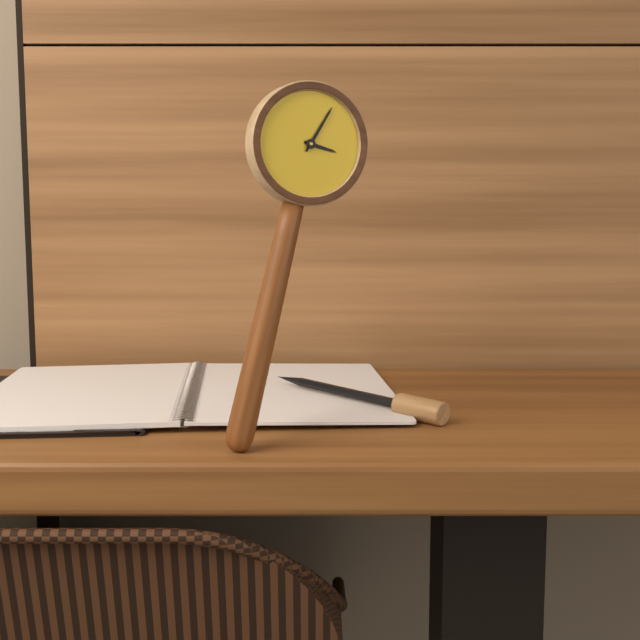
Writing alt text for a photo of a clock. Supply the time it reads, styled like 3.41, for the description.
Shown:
3.03
